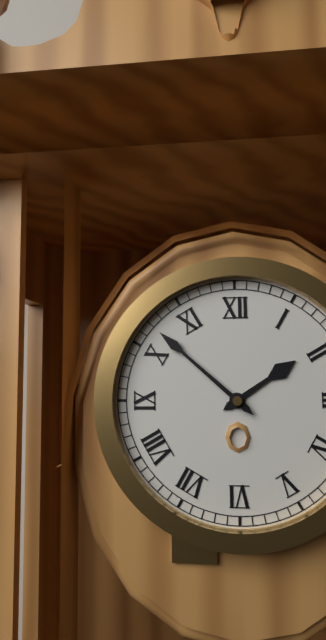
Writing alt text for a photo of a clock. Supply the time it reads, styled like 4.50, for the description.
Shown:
1.52
